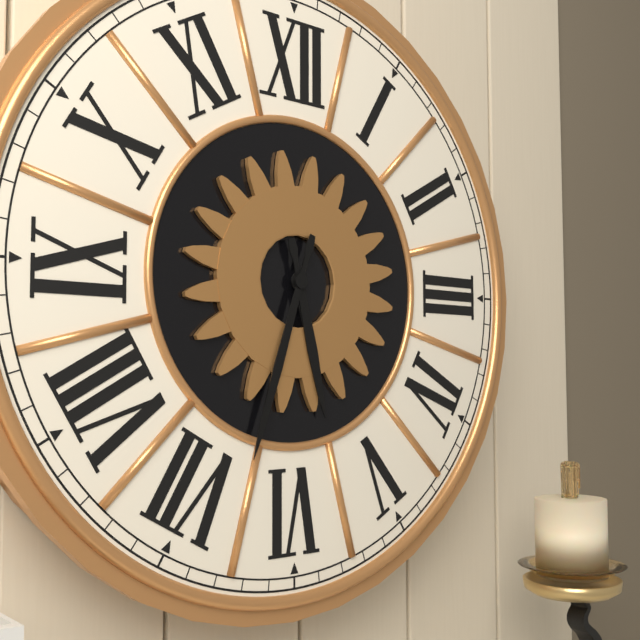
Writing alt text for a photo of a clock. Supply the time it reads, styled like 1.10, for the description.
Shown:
5.33
